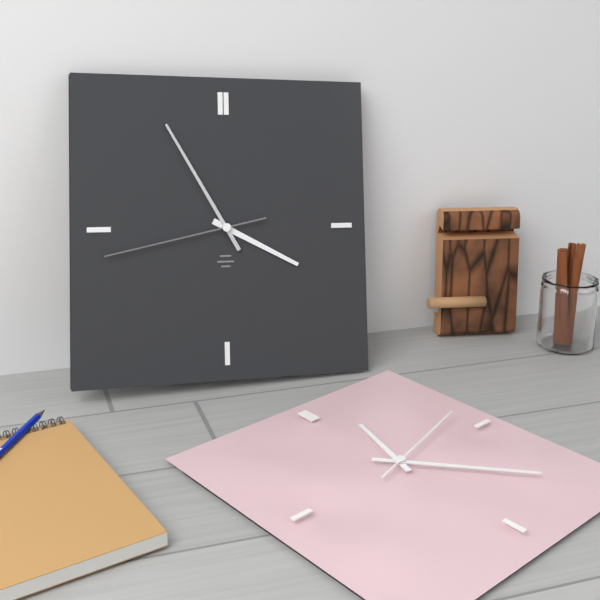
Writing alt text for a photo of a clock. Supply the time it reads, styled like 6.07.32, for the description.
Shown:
3.55.43
